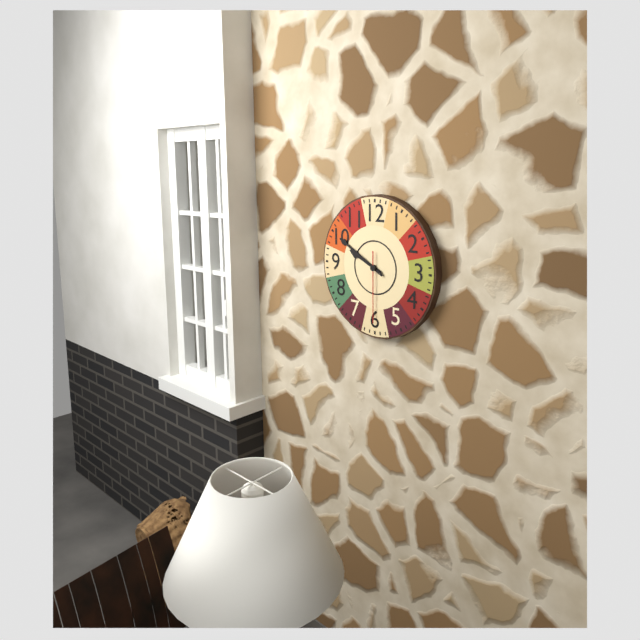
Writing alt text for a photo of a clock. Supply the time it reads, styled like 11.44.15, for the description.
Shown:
9.50.30
